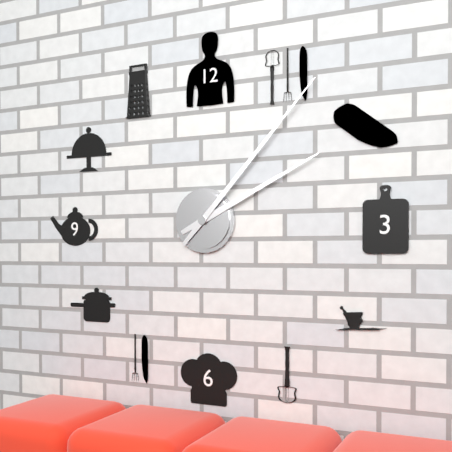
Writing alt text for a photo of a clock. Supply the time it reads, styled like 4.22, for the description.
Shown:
2.07
